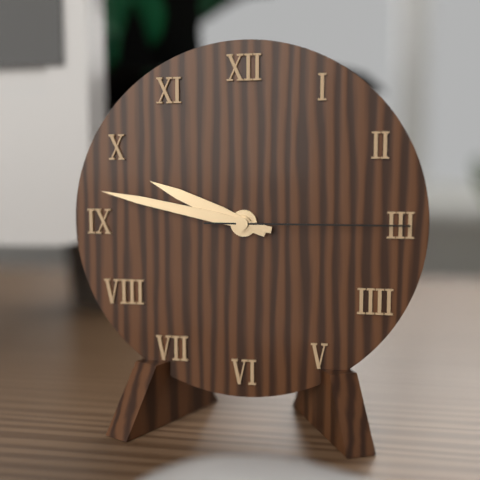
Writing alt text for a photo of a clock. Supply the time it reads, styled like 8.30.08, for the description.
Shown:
9.47.15
